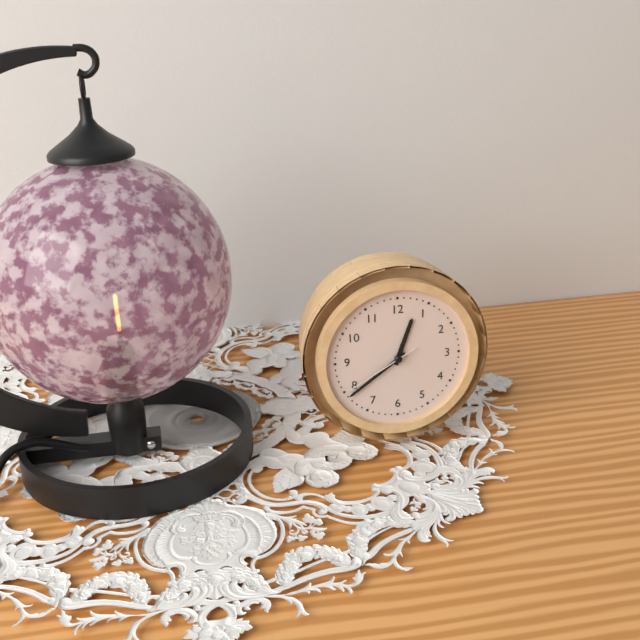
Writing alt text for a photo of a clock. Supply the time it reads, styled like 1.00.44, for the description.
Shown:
12.39.40
